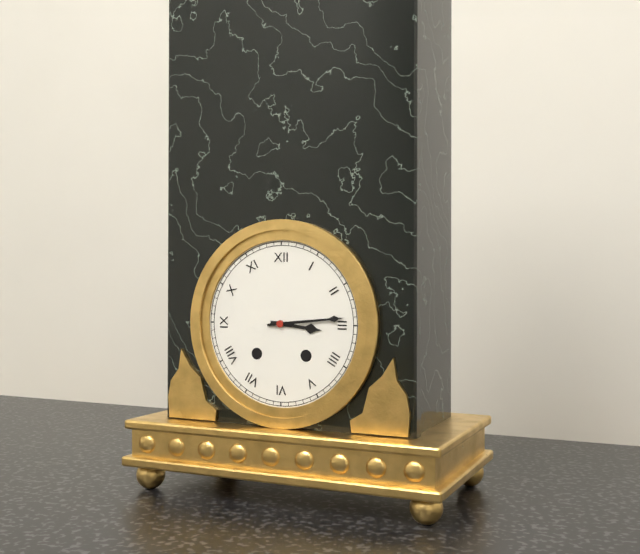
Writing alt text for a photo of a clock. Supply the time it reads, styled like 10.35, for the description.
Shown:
3.14
